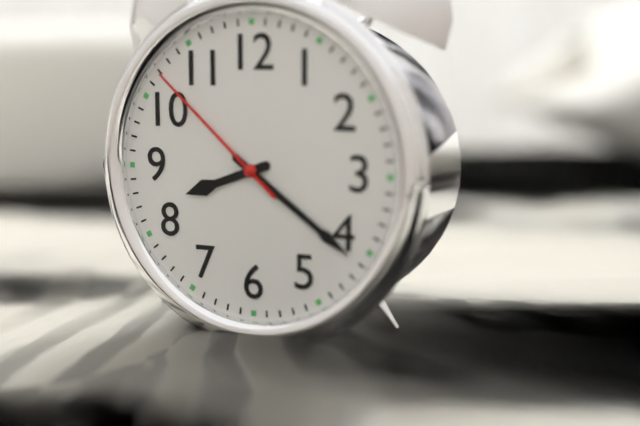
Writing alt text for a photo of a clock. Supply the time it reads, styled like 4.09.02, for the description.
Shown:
8.21.52
